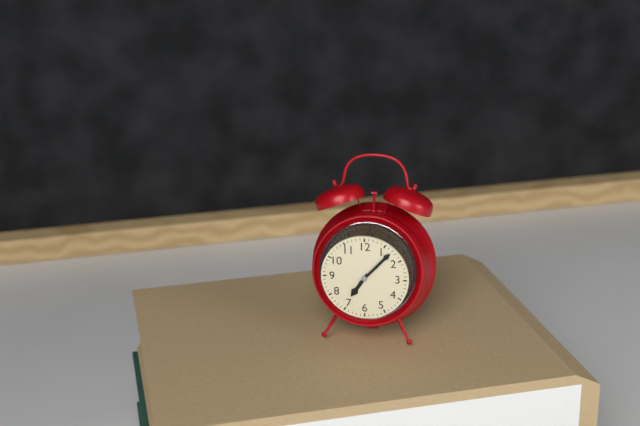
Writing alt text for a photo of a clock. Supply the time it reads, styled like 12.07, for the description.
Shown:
7.07
